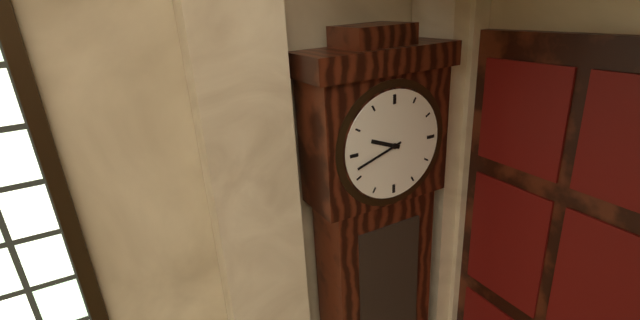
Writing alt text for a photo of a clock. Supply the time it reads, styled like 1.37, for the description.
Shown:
9.42
